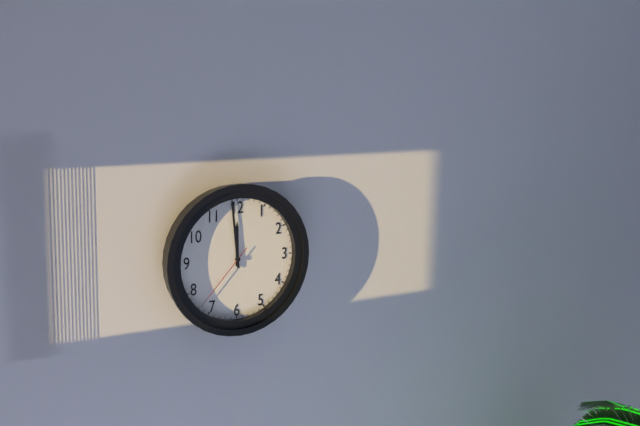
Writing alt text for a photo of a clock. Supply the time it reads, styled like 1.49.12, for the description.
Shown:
11.59.37
